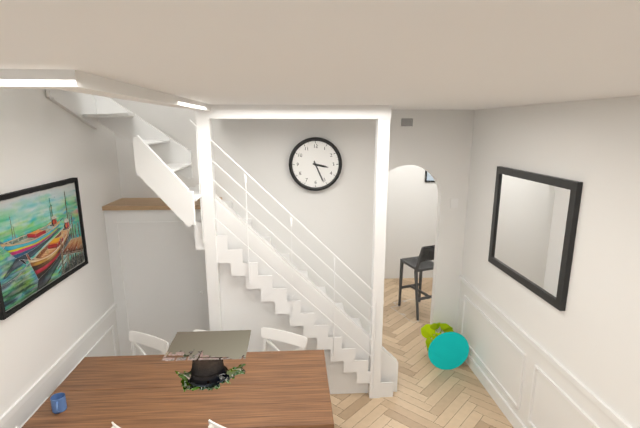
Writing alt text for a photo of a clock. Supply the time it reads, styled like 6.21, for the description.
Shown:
3.26
